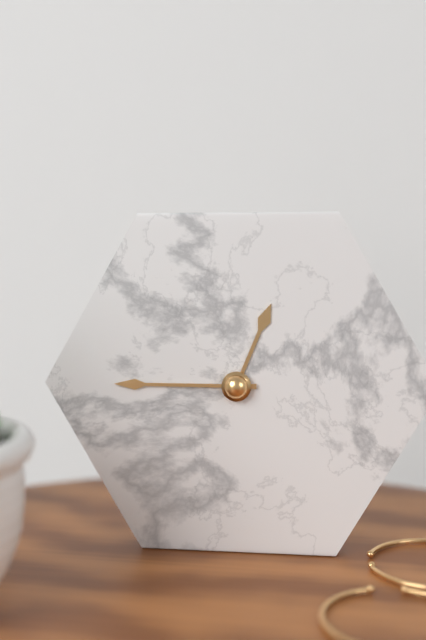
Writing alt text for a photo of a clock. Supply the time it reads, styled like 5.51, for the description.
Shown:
12.45
